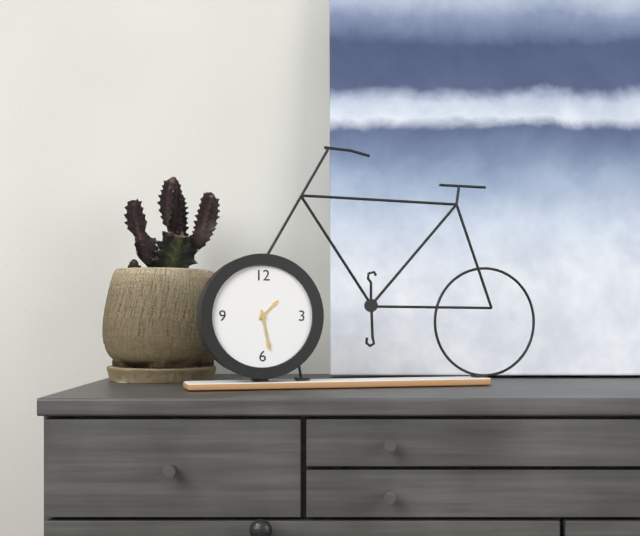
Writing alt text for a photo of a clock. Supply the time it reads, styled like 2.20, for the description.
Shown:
1.28
